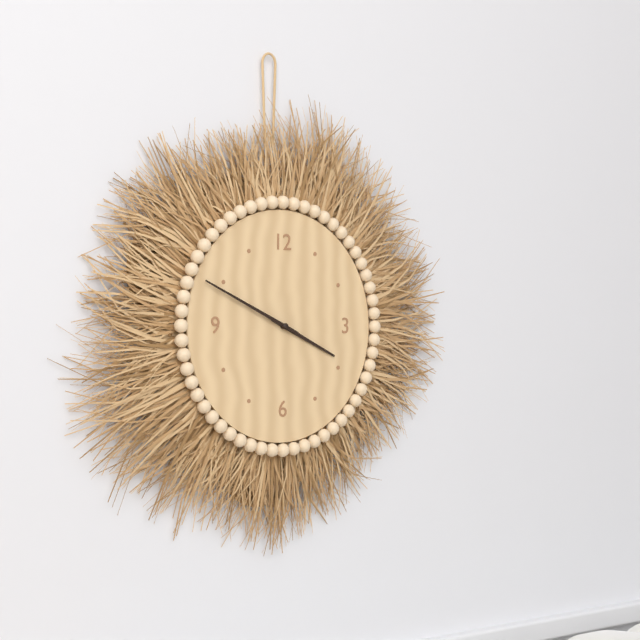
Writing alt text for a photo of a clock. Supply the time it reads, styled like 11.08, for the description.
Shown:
3.49
